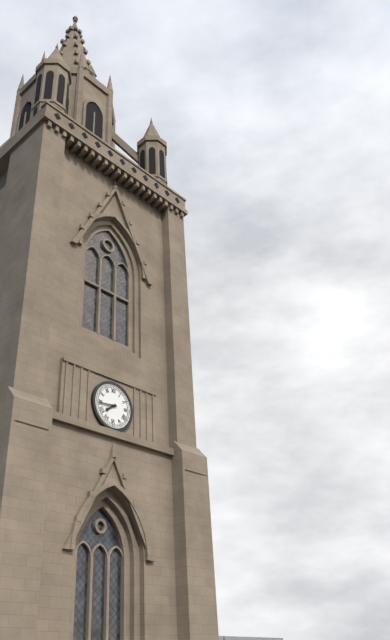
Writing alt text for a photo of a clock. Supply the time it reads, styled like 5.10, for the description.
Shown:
7.44
